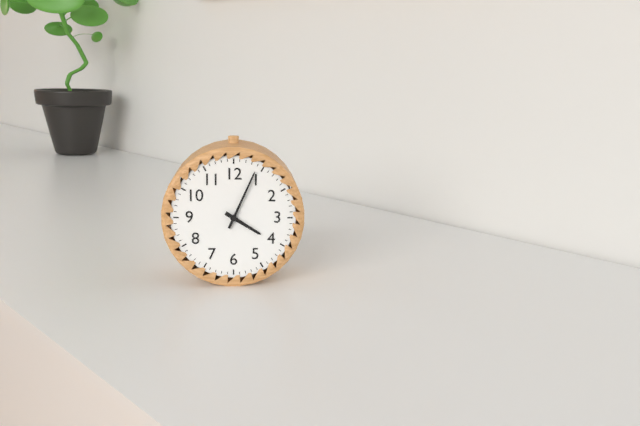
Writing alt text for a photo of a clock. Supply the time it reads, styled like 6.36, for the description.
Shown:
4.04
